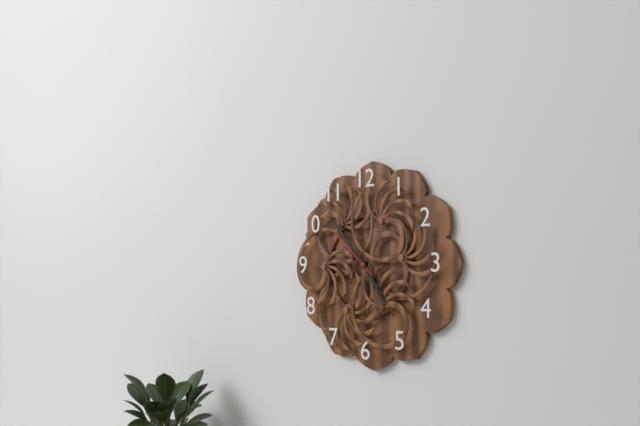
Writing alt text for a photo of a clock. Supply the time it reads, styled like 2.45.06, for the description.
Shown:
4.53.52
